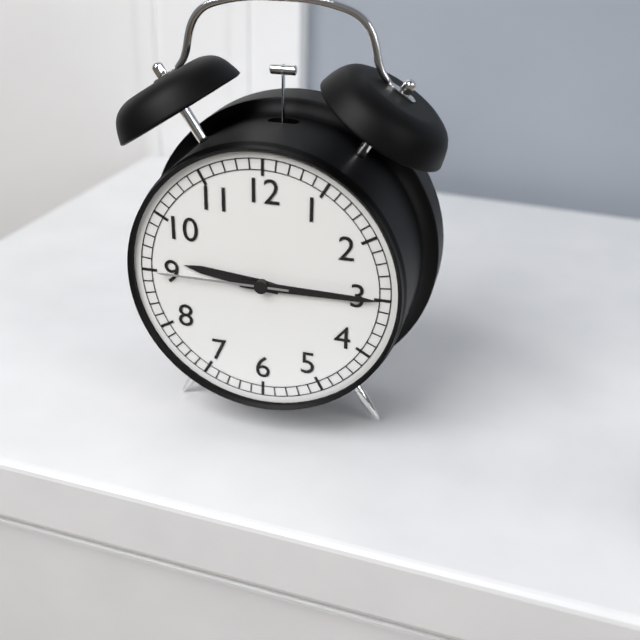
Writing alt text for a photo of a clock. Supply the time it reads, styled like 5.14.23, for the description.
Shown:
9.15.45
